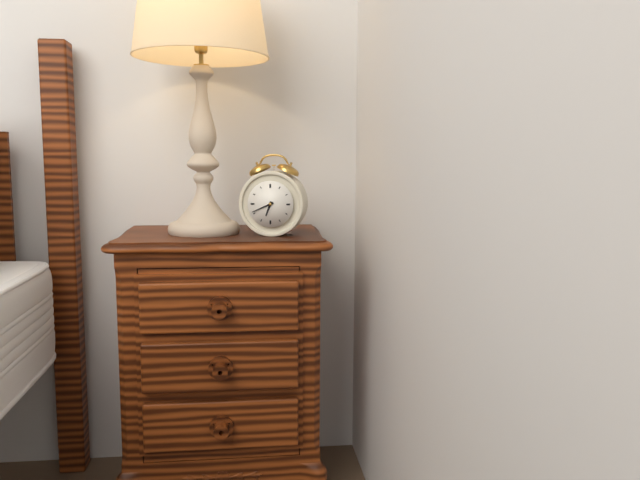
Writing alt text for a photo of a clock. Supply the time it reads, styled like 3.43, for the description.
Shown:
6.41
